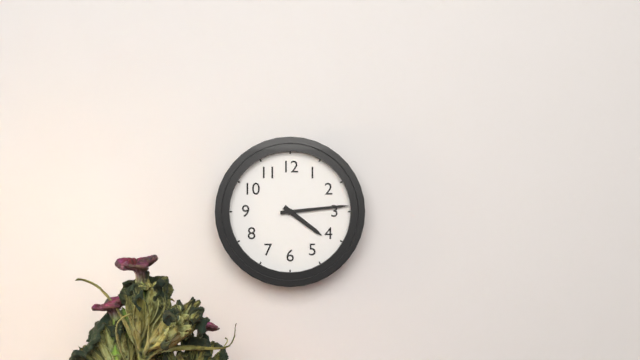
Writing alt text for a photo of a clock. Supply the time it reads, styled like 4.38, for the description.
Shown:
4.14
